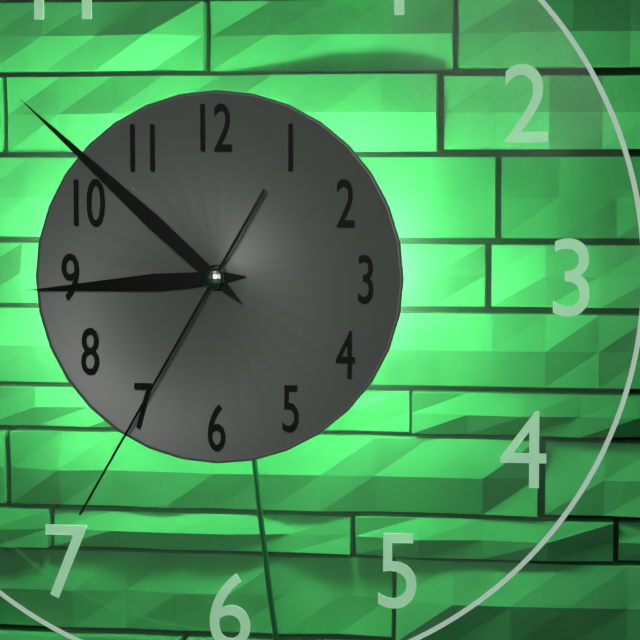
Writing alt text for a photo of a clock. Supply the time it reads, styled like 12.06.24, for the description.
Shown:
8.52.35
